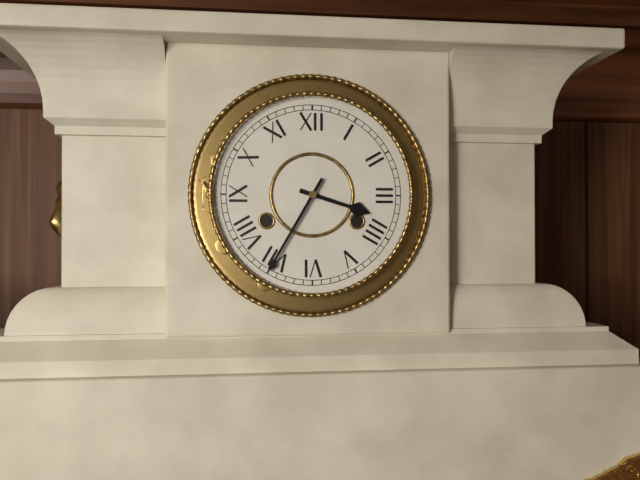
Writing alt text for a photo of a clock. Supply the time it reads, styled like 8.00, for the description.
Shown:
3.35
